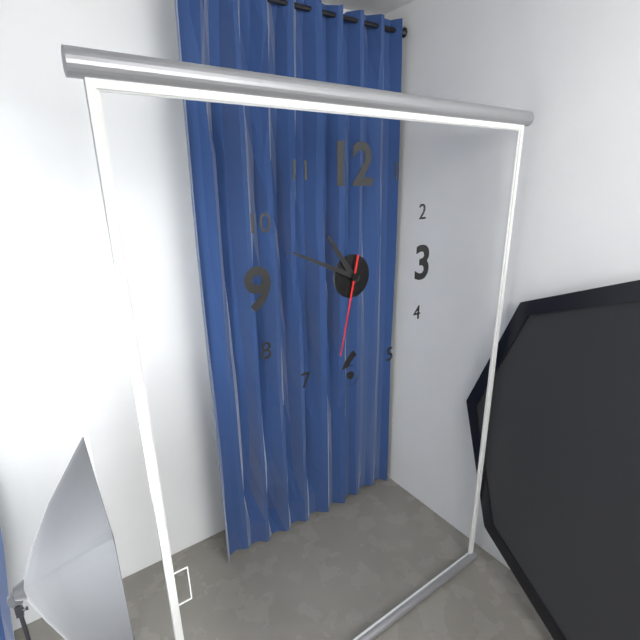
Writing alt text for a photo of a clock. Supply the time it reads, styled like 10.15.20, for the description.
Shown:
10.49.32
